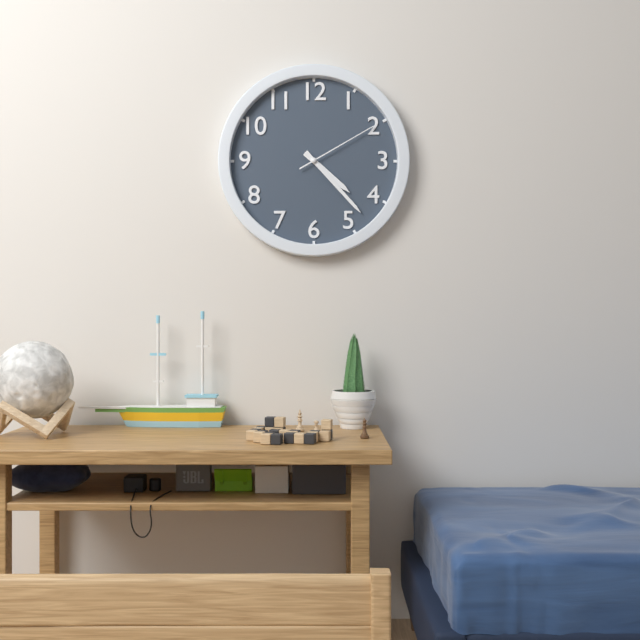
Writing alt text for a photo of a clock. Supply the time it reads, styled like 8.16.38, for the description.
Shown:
4.23.10
